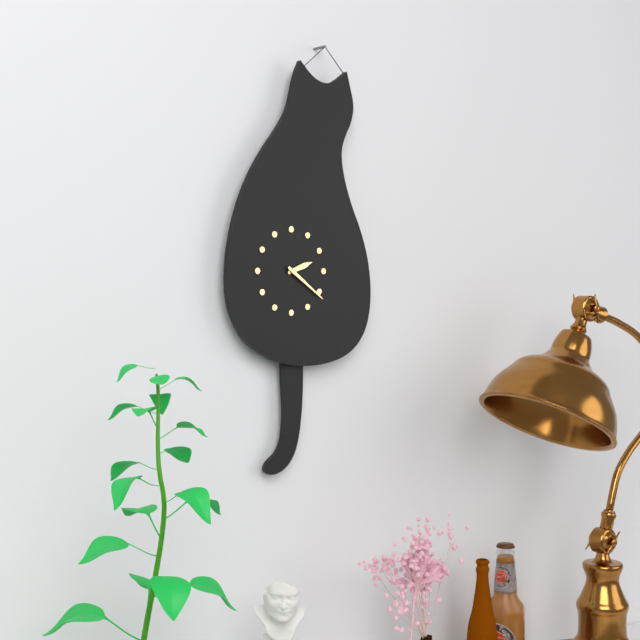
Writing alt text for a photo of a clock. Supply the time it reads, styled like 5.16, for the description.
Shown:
2.21
